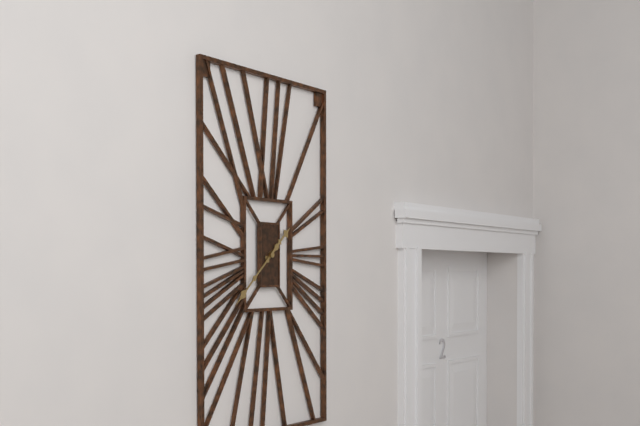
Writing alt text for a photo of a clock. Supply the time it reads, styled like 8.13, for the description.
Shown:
1.38
